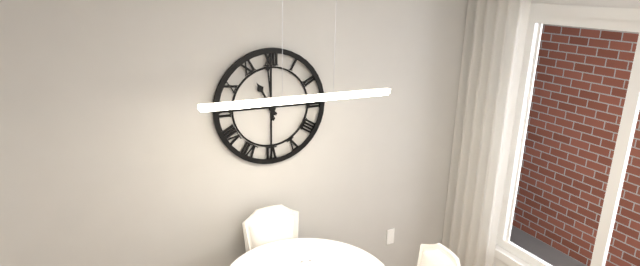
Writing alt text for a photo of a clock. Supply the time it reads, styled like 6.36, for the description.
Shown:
10.59
